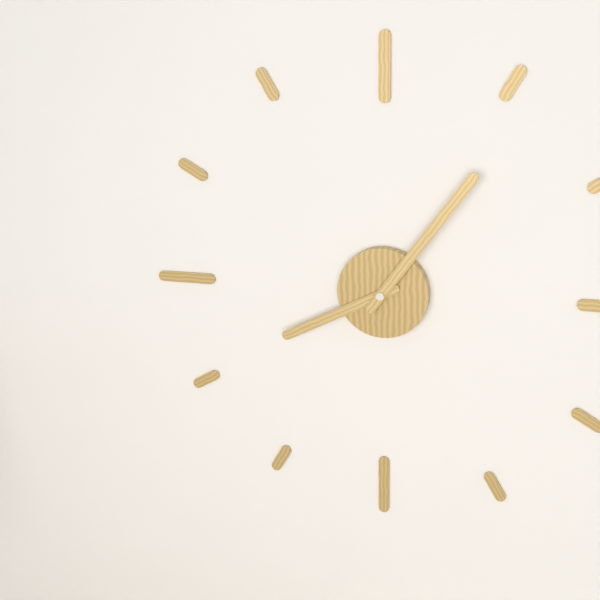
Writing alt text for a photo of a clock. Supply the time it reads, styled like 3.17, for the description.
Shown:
8.06
